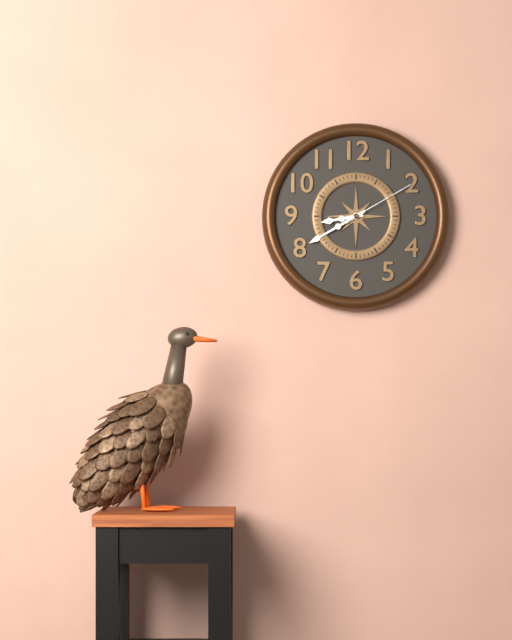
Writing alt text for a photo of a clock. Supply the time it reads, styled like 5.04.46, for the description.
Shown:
8.40.10
